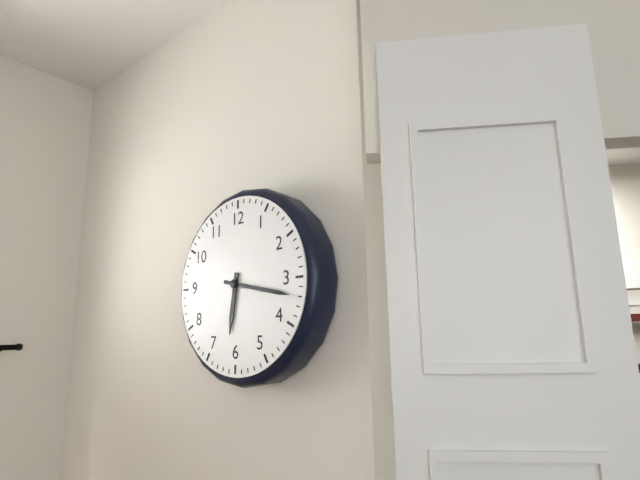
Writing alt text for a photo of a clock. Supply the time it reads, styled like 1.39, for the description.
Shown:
6.17
